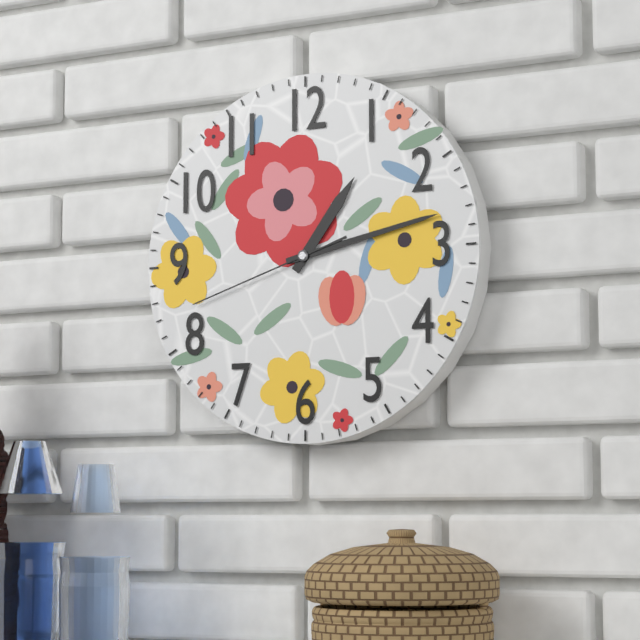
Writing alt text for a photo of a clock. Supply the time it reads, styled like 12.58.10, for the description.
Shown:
1.13.42
